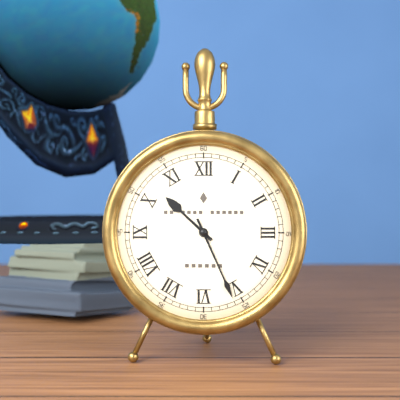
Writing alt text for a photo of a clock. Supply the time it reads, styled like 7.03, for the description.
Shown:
10.26
